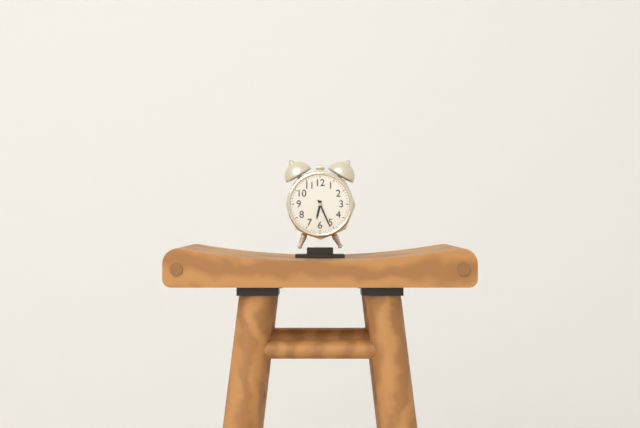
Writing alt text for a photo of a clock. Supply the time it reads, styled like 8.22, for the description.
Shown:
6.26
